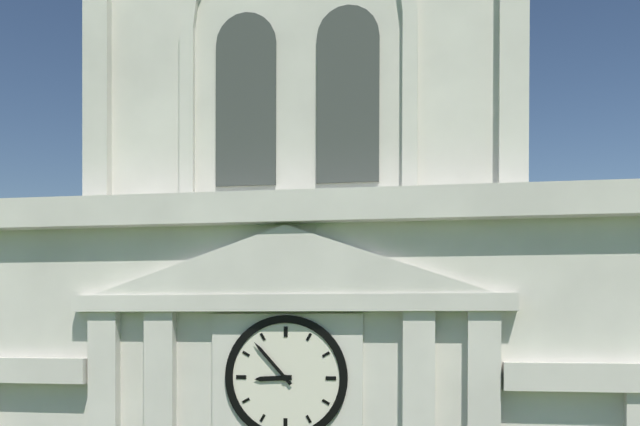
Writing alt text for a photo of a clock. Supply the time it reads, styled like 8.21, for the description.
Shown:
8.53
